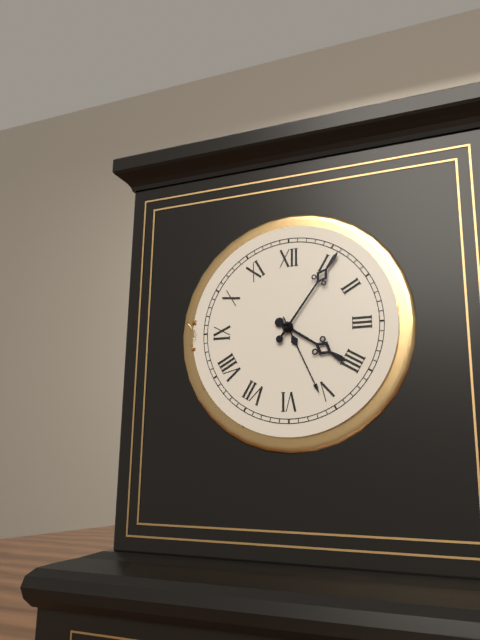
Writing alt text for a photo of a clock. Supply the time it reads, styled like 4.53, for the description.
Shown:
4.06
